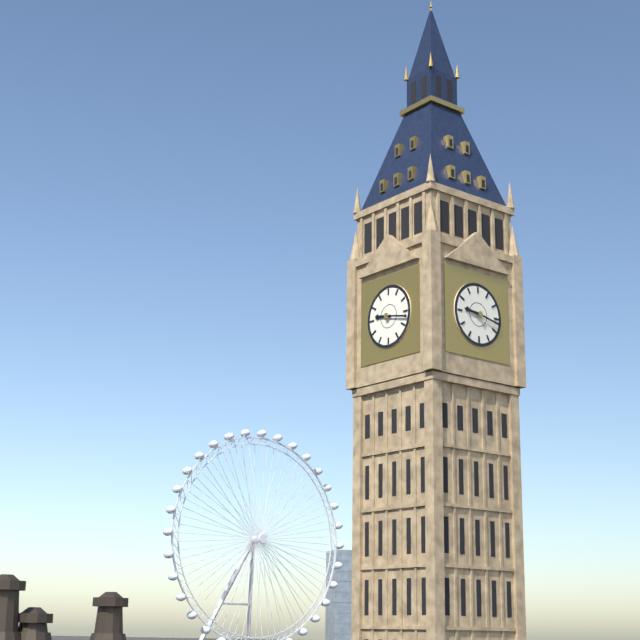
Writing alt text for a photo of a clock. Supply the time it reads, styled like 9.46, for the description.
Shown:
9.17
